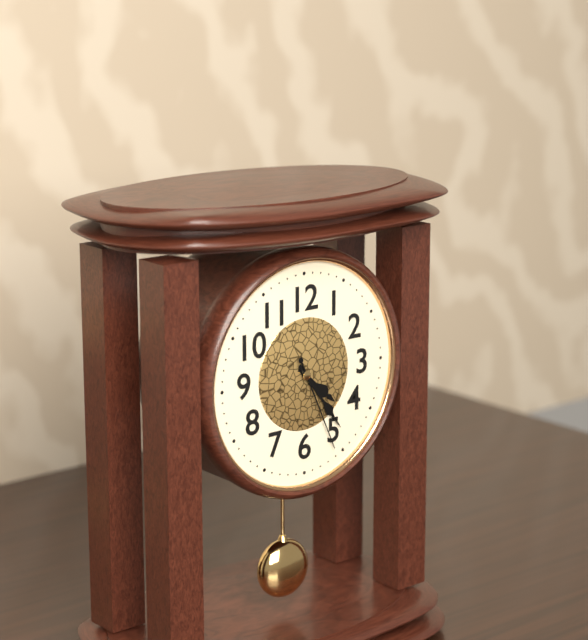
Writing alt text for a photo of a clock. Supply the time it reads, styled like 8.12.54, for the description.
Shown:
4.24.26
